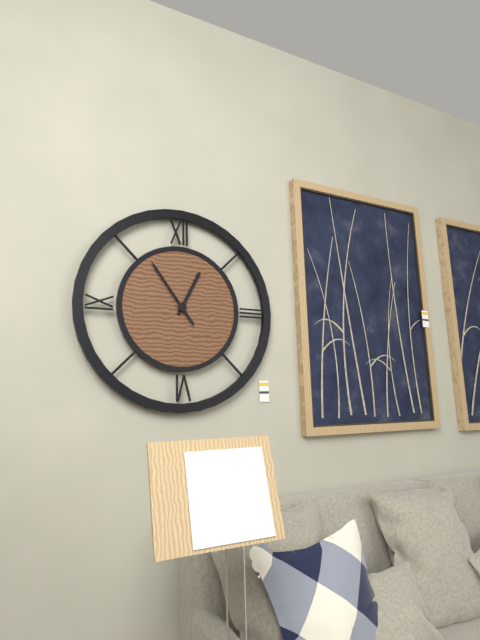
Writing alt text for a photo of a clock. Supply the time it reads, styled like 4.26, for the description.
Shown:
12.54
